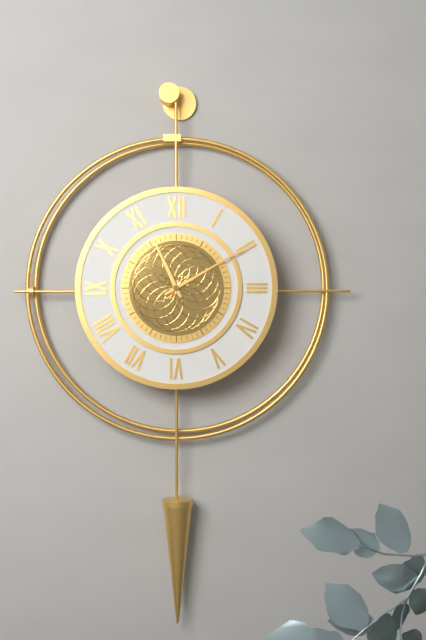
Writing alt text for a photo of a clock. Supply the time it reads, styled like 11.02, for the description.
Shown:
11.10
